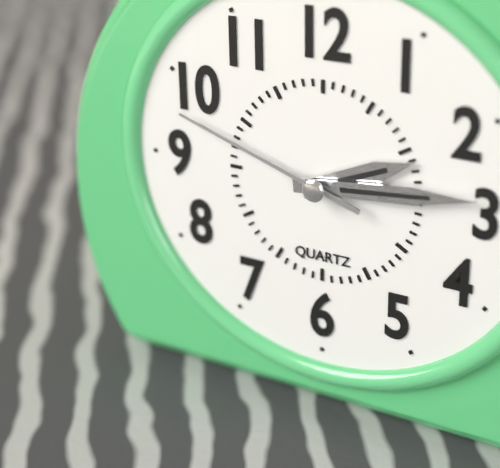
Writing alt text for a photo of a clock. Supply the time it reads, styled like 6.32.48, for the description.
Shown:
2.14.48
